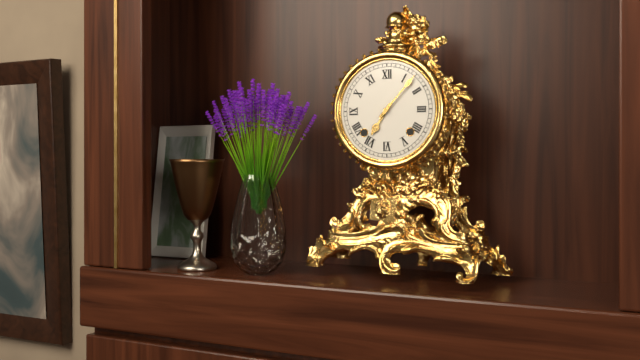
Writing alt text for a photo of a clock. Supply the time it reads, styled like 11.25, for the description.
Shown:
7.07
